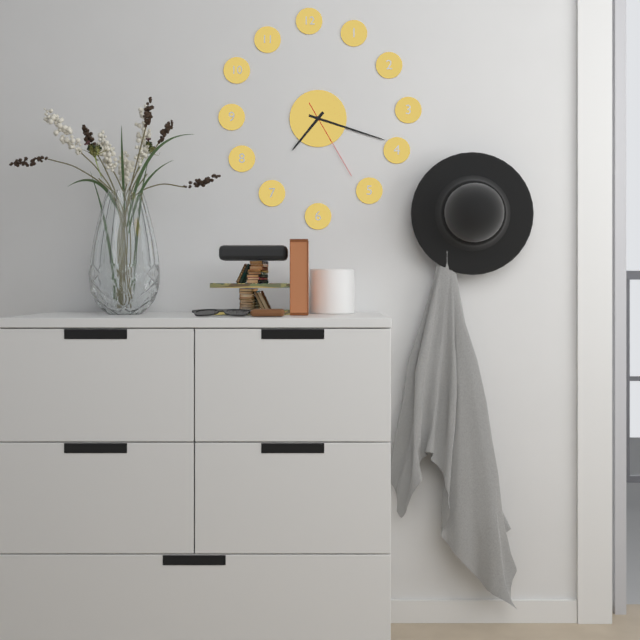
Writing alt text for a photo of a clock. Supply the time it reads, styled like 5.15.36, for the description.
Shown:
7.18.25
